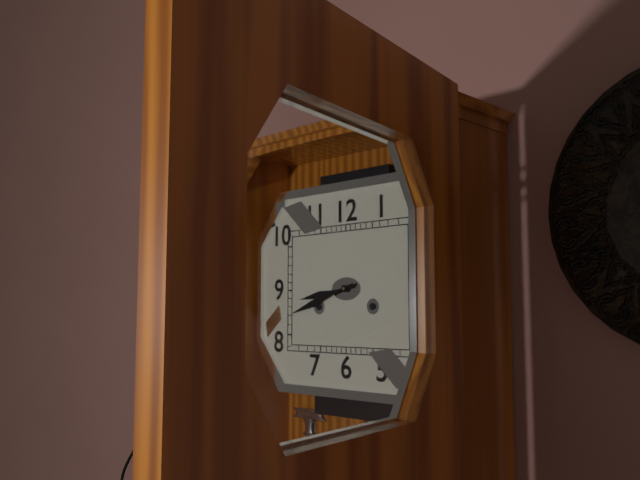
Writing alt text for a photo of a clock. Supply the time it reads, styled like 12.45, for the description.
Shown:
8.42
